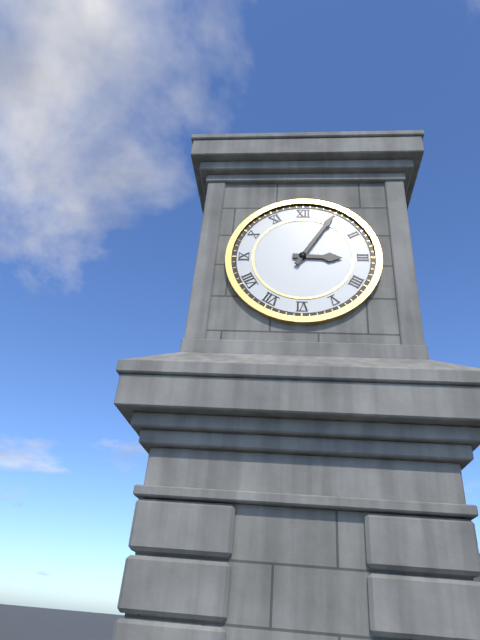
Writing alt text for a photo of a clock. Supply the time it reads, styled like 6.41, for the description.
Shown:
3.05
